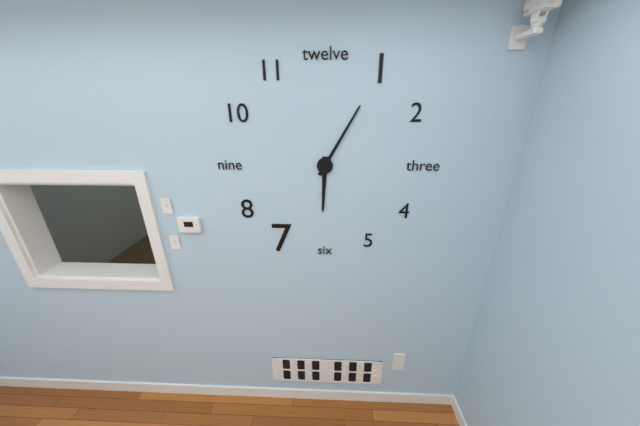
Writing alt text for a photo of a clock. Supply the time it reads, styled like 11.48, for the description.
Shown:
6.05
